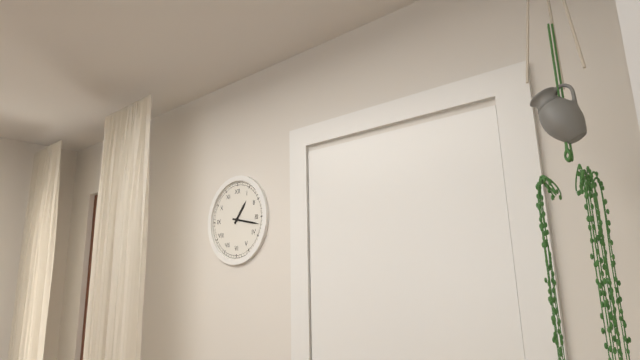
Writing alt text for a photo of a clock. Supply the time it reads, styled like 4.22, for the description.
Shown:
1.17
